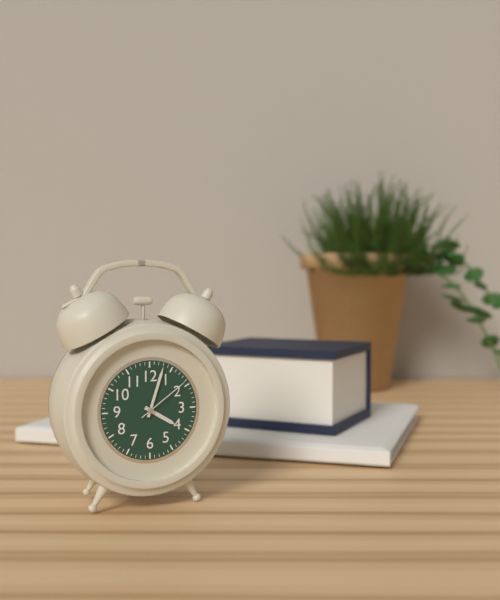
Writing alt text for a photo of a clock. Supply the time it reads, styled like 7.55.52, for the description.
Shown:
4.03.09
